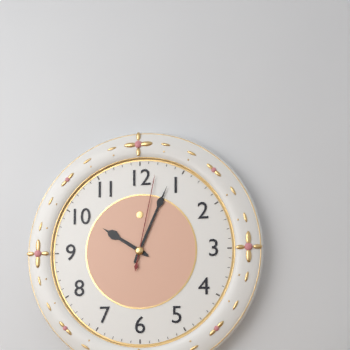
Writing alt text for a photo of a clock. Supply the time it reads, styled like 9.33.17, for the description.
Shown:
10.04.02
